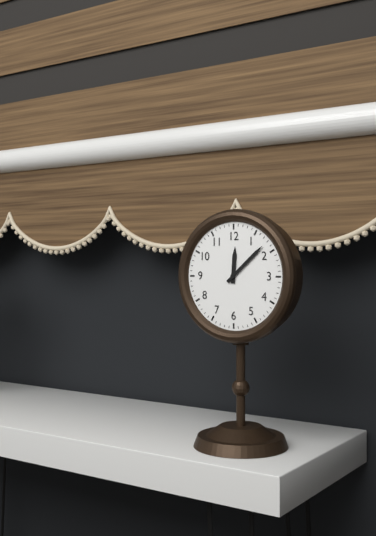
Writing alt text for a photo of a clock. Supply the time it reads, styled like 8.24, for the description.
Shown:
12.08
